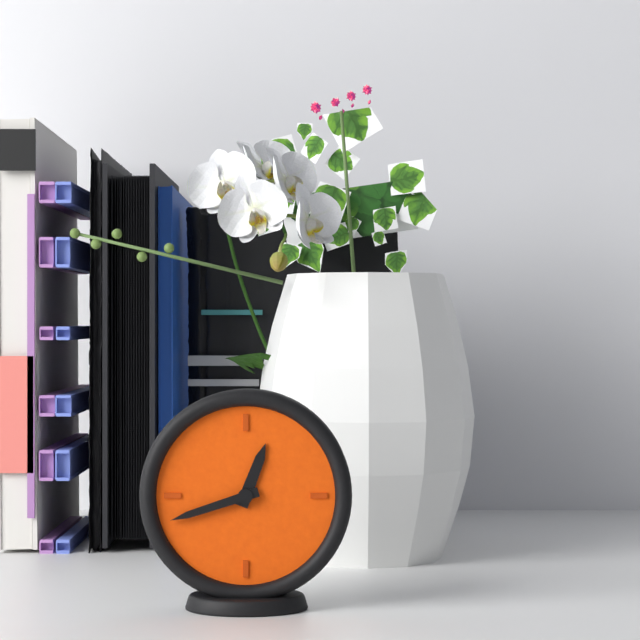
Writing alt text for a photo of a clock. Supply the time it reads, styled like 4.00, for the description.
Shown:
12.42
